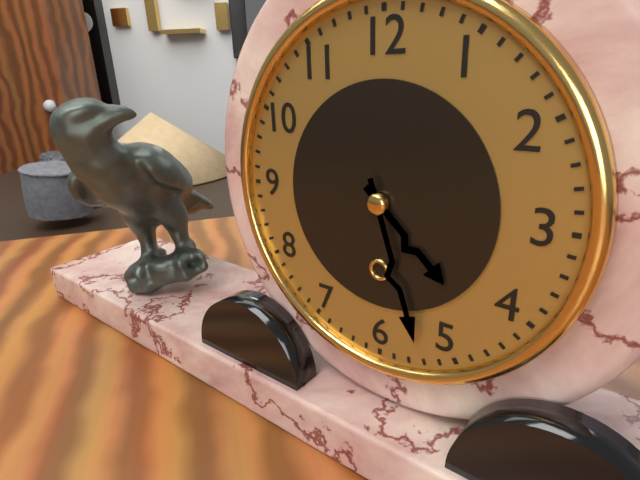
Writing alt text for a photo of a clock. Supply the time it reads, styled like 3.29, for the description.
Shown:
4.27
